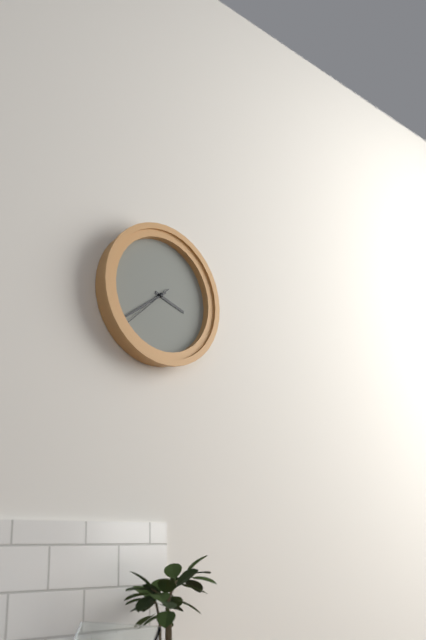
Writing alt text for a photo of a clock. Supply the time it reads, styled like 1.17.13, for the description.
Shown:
3.39.38
